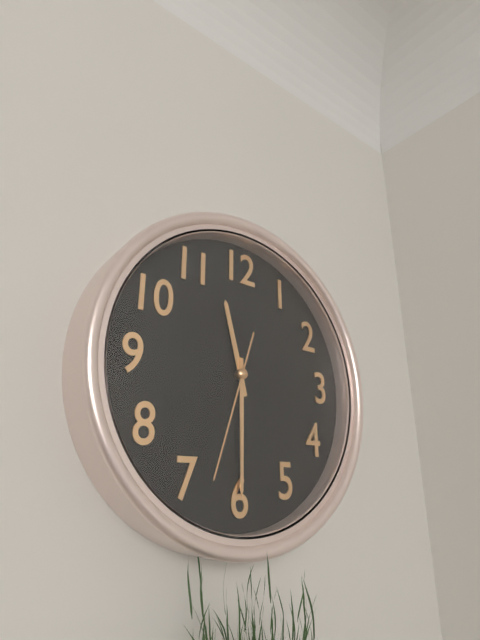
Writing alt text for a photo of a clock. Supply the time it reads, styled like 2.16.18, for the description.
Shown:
11.30.33
